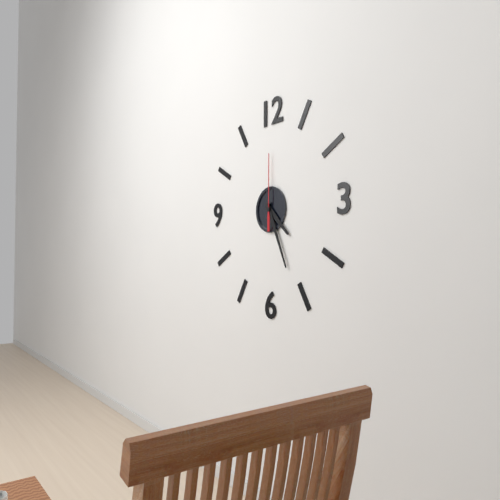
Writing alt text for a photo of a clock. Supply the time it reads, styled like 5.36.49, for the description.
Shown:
4.26.00
